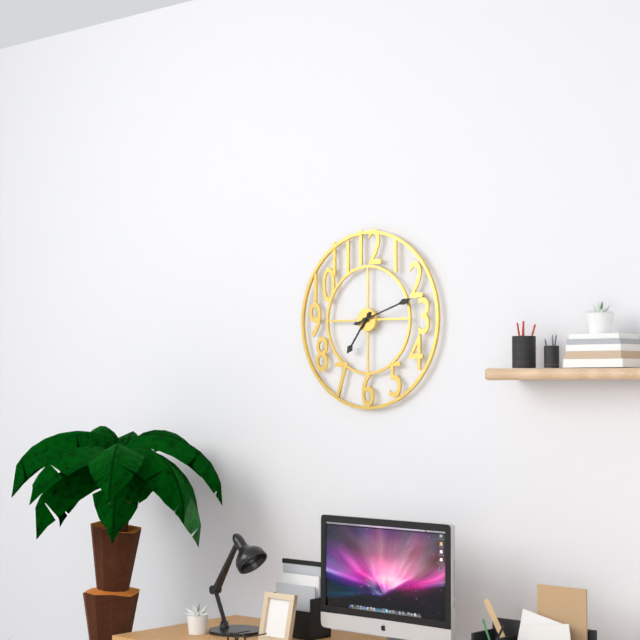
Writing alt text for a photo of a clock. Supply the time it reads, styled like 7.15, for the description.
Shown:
7.12
